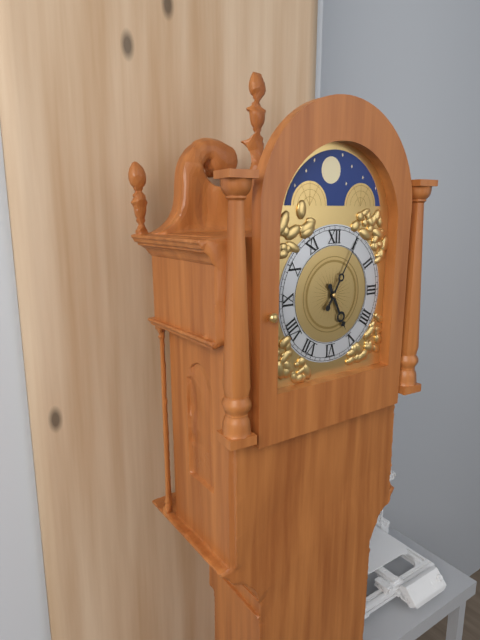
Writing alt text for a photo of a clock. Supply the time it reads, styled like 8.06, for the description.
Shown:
5.05
